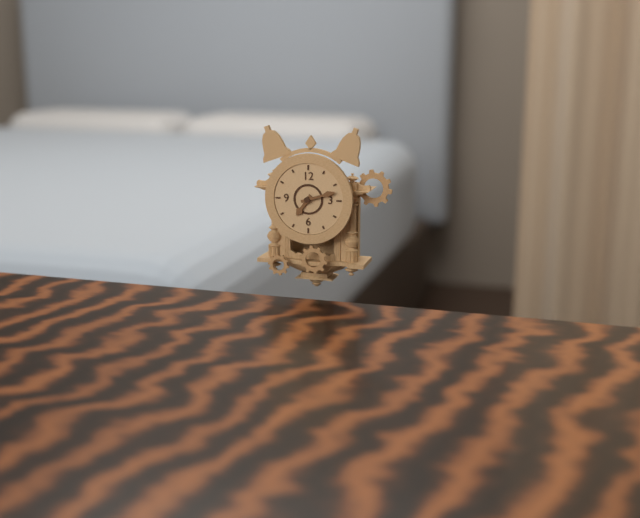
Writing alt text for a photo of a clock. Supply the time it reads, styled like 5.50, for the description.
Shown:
7.12
